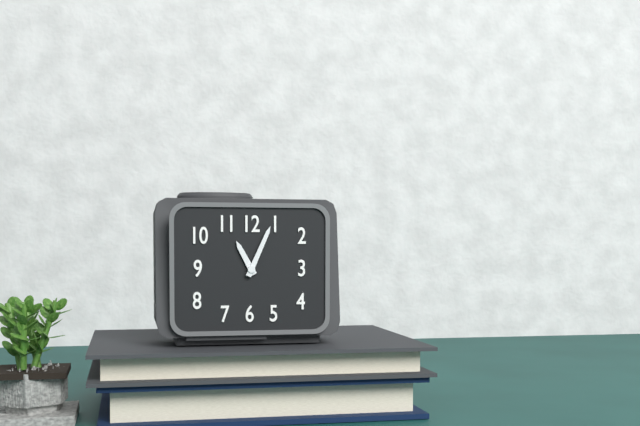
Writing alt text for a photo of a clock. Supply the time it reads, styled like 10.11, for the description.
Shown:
11.04
